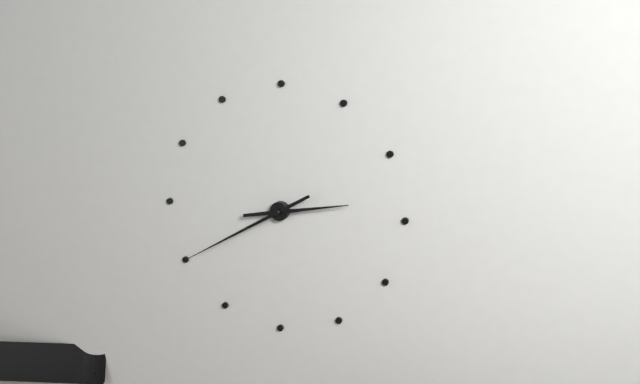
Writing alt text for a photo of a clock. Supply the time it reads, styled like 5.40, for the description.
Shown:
2.40
